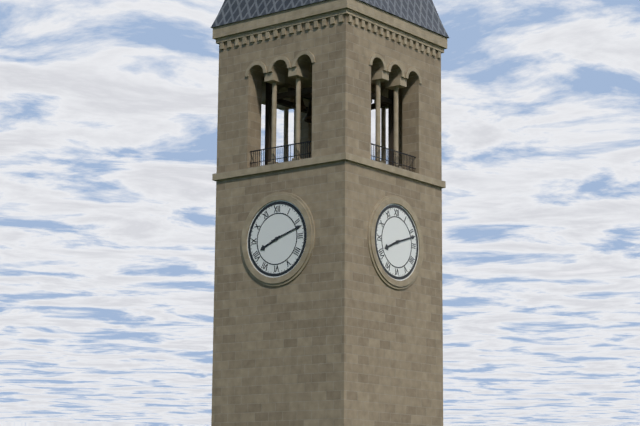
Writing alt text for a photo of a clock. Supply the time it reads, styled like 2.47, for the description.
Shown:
8.12
